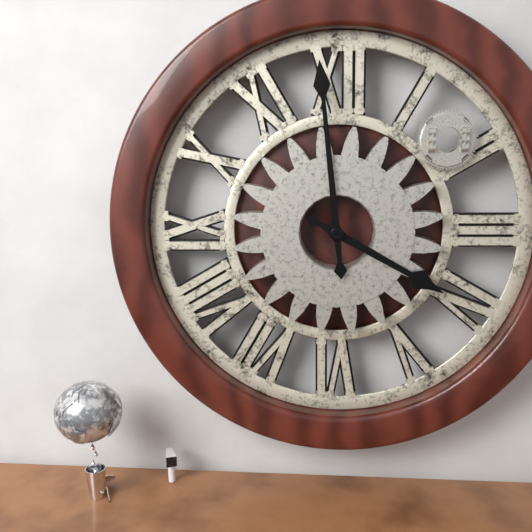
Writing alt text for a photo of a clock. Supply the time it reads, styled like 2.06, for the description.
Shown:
3.59
